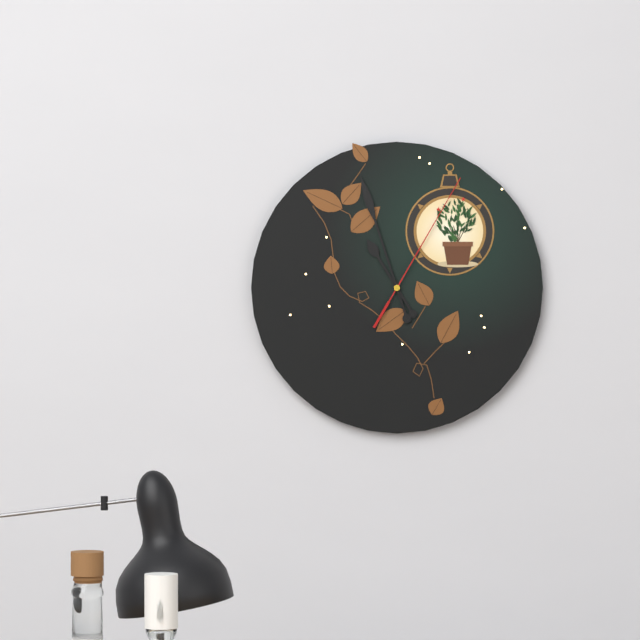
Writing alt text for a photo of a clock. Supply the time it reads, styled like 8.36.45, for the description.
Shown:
10.57.05
